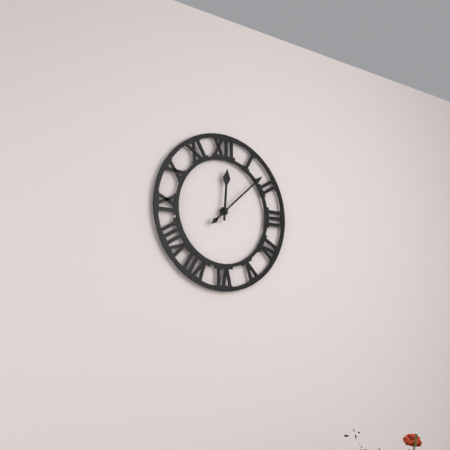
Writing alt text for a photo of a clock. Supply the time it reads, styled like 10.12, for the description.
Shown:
12.08
